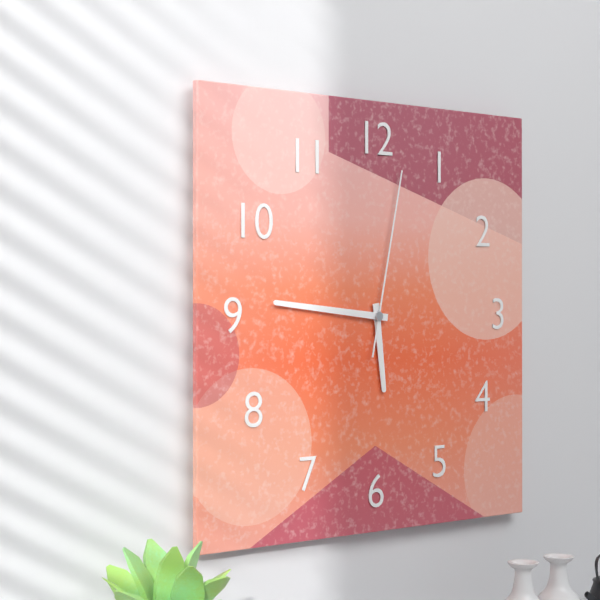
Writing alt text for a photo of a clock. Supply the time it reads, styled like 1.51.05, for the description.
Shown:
5.46.02
